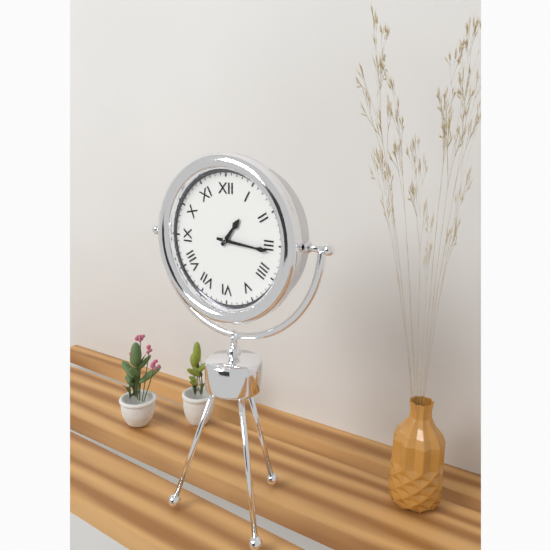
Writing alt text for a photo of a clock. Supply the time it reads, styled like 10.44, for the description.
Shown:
1.16
